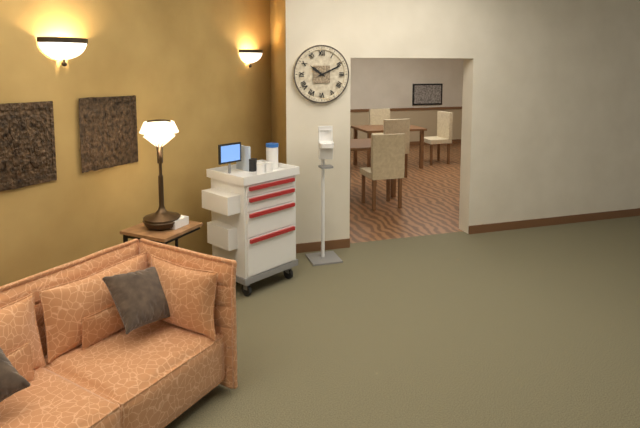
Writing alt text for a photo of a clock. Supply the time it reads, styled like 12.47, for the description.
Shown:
10.11
